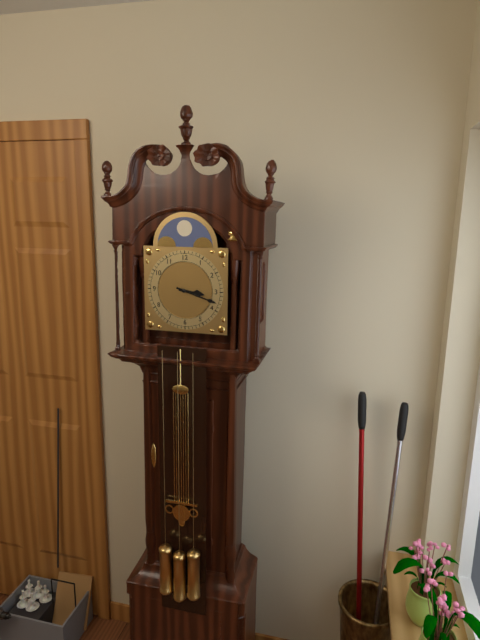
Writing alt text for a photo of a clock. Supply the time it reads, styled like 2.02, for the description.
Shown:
3.18
